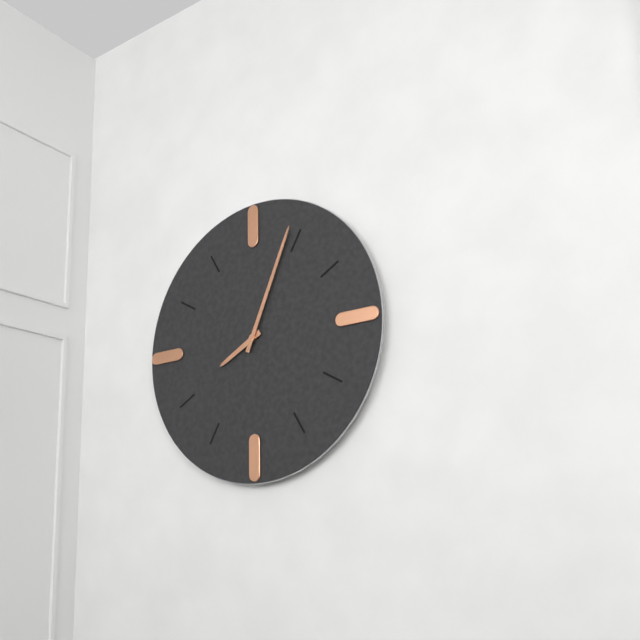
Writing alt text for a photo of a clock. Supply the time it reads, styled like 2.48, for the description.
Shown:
8.04
